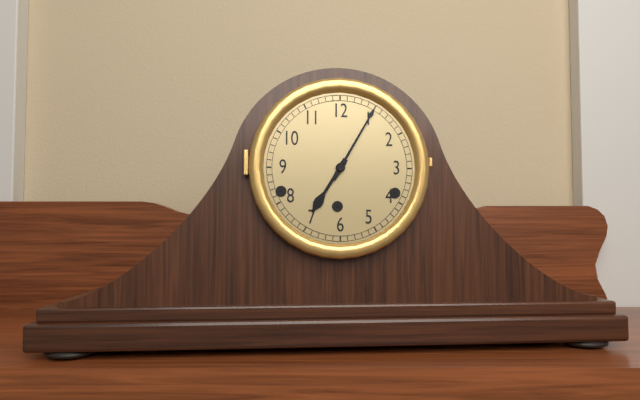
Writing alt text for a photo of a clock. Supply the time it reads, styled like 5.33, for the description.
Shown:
7.05
